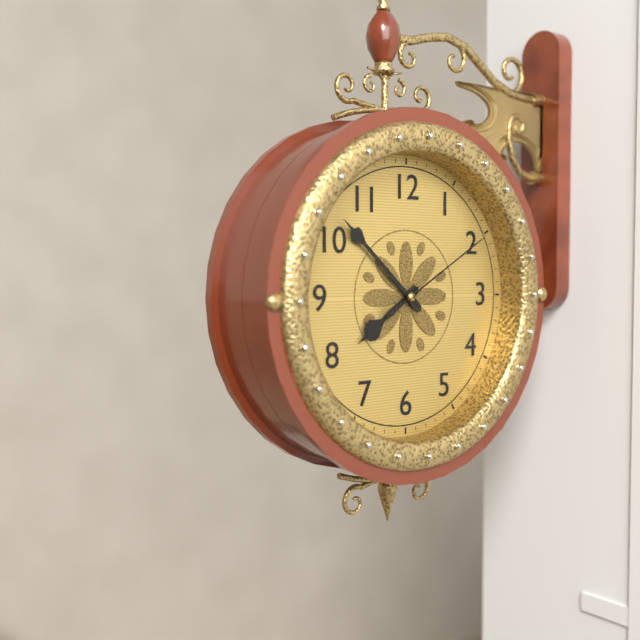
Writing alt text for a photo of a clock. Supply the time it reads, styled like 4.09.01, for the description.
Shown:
7.52.10
